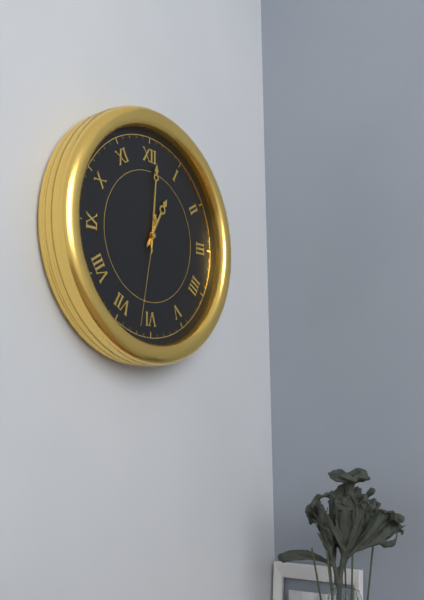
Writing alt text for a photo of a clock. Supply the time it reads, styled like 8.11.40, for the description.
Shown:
1.01.32
